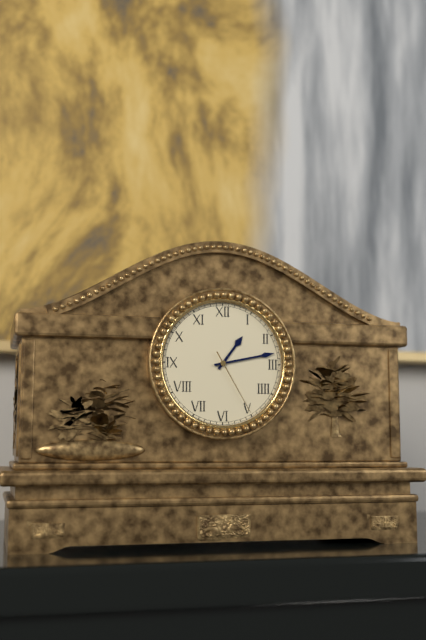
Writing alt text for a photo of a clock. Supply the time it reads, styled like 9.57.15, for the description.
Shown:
1.13.25
